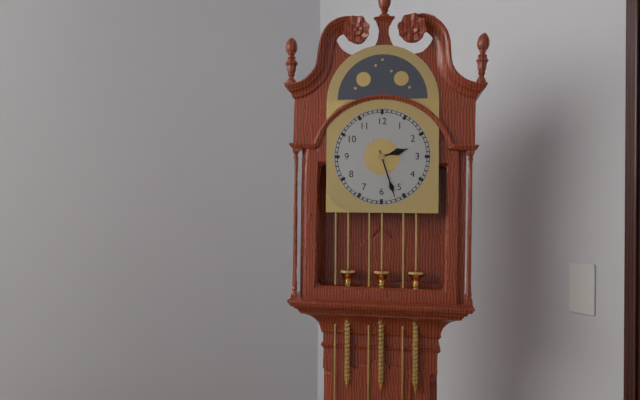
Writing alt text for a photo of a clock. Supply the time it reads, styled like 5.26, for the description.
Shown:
2.27
